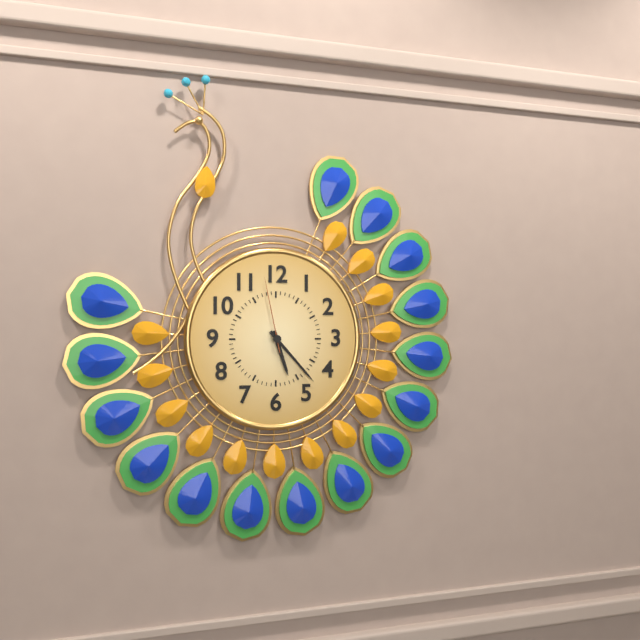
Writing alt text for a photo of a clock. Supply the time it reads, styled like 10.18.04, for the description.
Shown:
5.23.58
